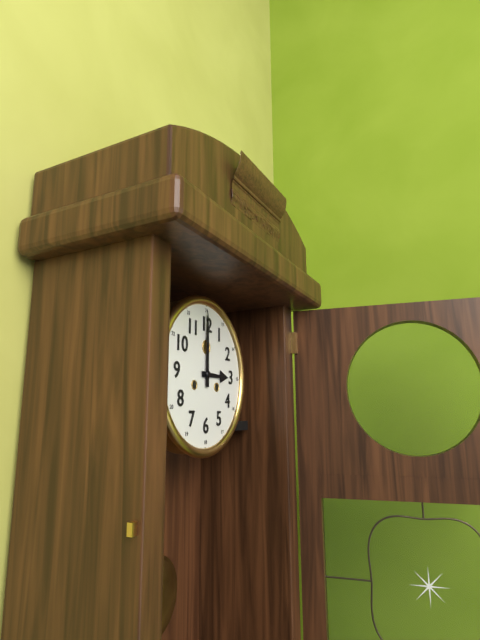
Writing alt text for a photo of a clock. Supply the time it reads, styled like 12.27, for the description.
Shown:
3.00
